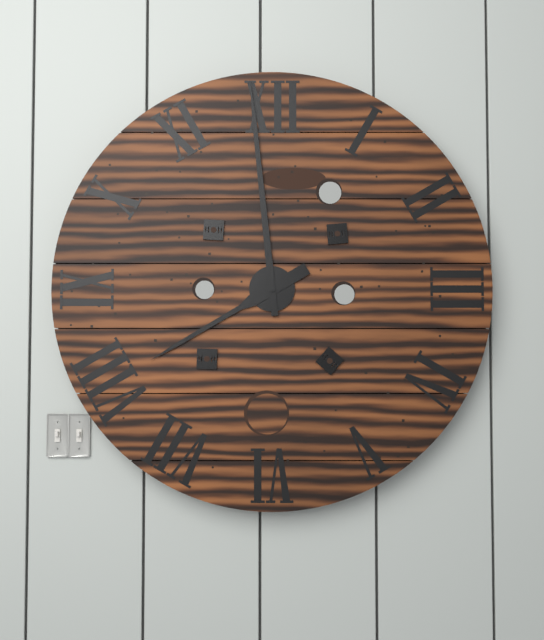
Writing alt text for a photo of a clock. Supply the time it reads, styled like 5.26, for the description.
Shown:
7.59
